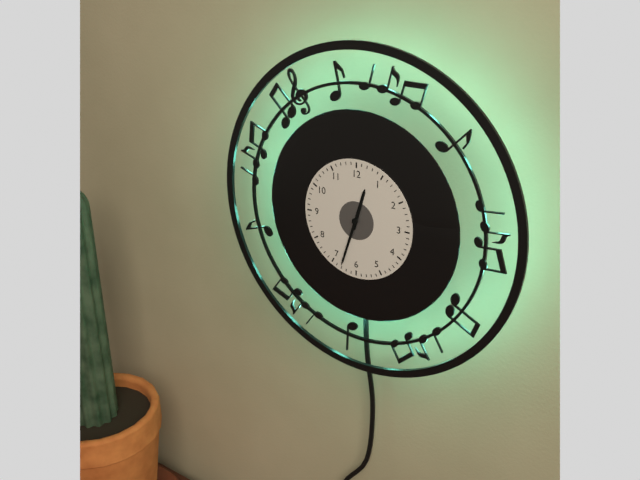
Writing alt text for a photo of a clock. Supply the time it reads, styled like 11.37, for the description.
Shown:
12.33
